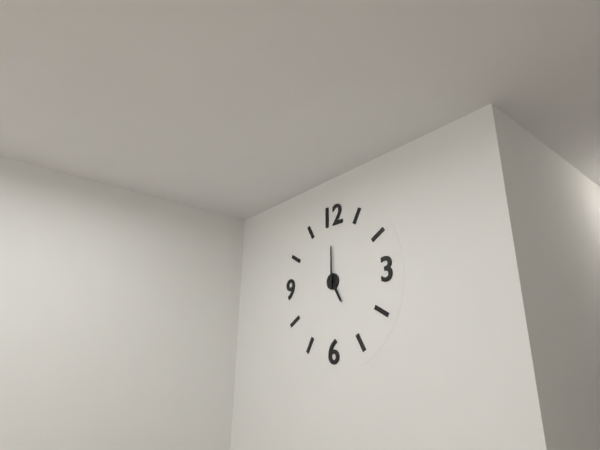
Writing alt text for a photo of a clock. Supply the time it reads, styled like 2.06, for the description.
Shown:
5.00
